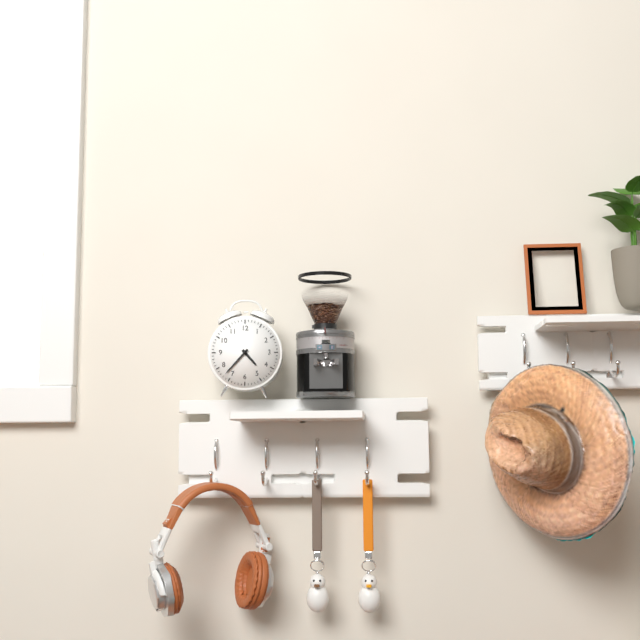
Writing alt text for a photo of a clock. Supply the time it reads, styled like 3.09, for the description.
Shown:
4.37
